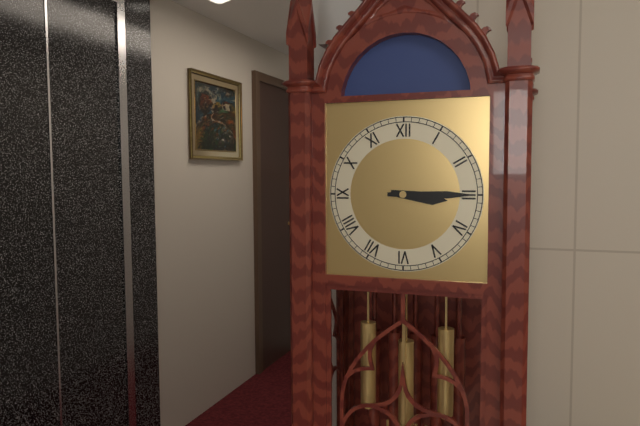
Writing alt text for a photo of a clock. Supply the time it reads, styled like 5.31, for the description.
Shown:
3.15
